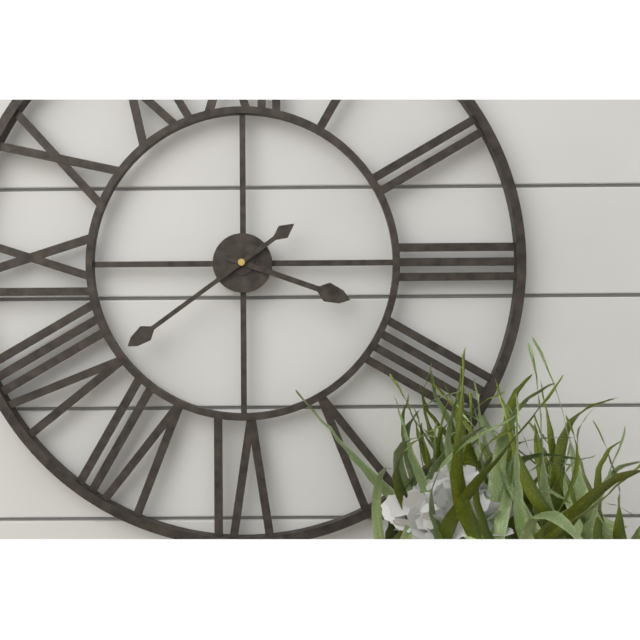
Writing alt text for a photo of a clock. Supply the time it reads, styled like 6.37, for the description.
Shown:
3.39
